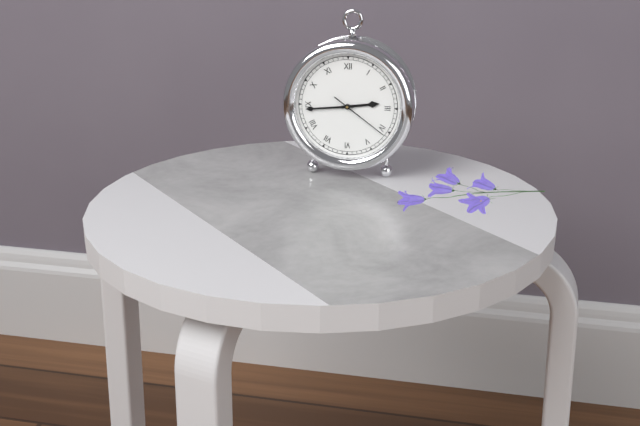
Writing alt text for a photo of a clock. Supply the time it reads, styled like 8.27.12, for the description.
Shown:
2.44.21
